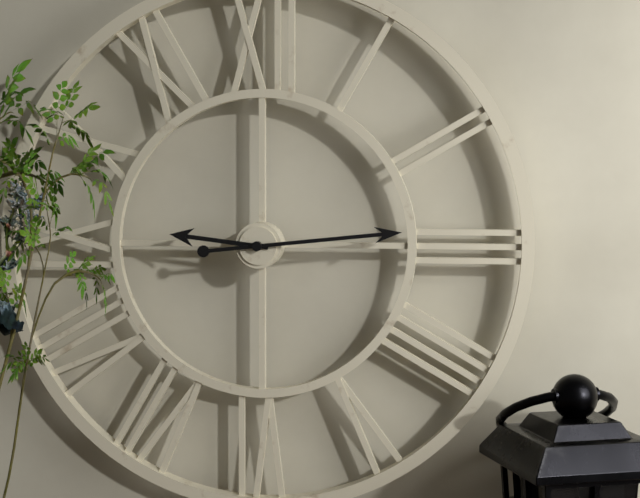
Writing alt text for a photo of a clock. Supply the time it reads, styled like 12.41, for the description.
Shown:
9.14
